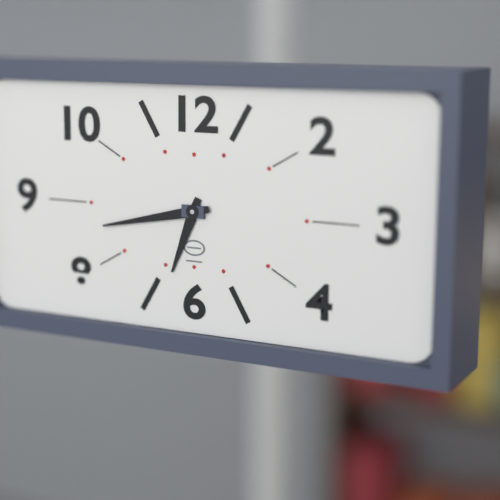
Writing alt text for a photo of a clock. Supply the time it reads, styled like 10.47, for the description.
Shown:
6.43
